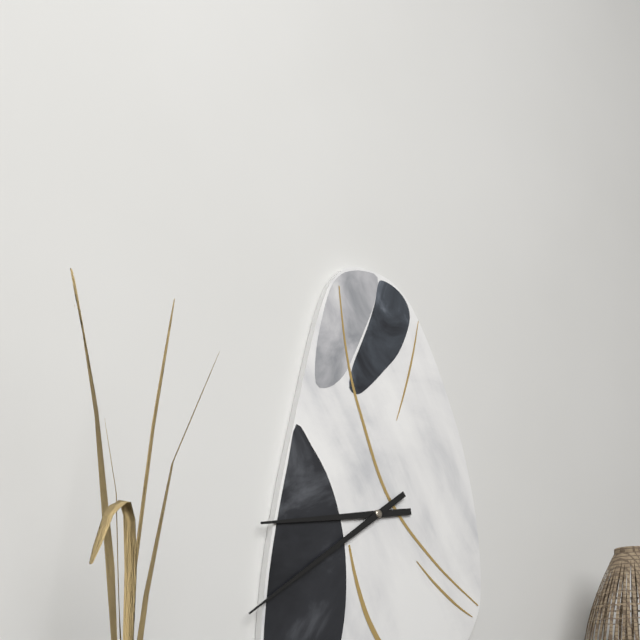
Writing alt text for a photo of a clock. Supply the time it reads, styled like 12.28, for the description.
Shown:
8.39
